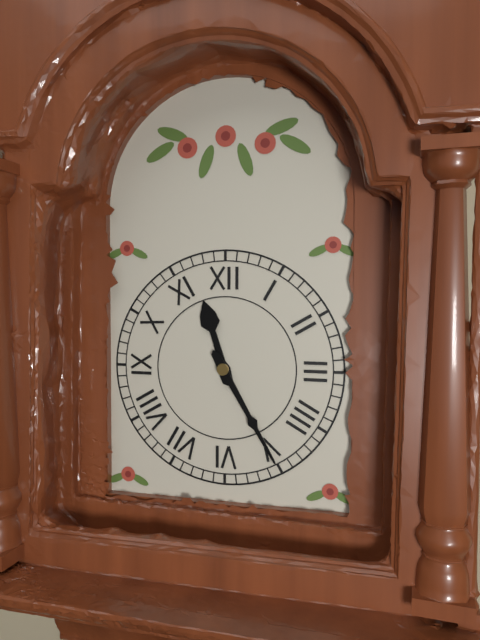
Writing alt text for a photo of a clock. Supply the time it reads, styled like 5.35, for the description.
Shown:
11.25
